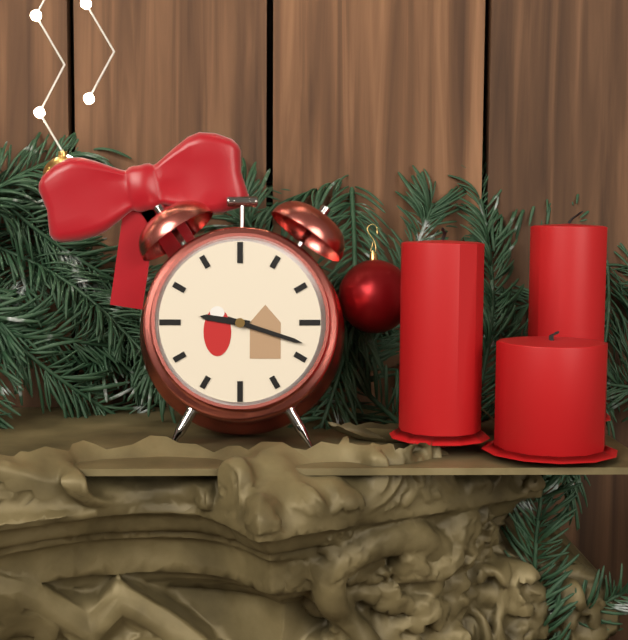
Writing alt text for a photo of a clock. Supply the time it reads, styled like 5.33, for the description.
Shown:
9.18
